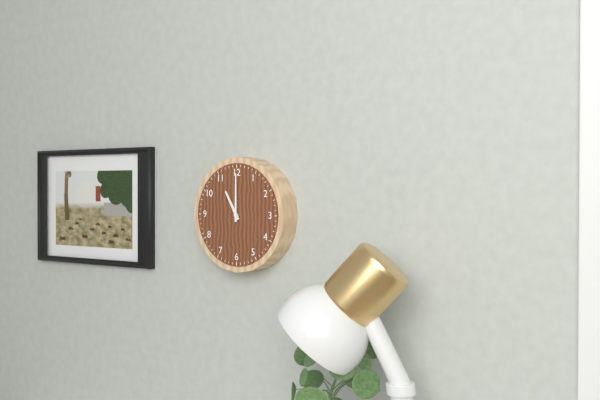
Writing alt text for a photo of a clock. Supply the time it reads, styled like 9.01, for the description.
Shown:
11.00
